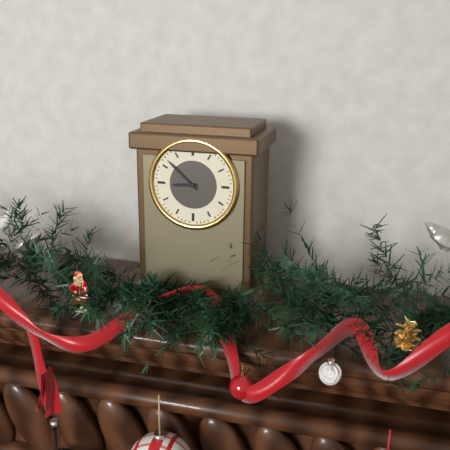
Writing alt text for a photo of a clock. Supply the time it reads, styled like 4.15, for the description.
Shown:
8.52
